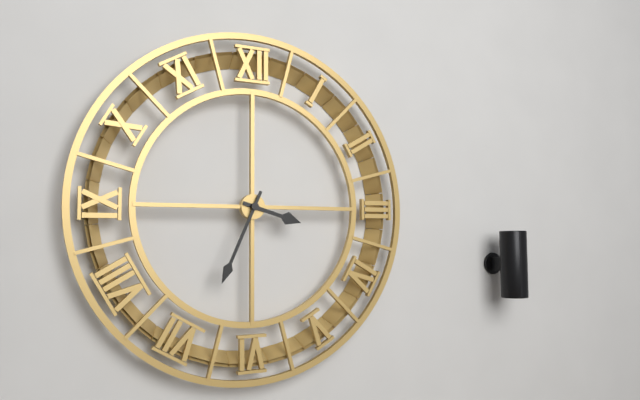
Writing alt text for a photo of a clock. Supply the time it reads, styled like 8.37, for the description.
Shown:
3.34
